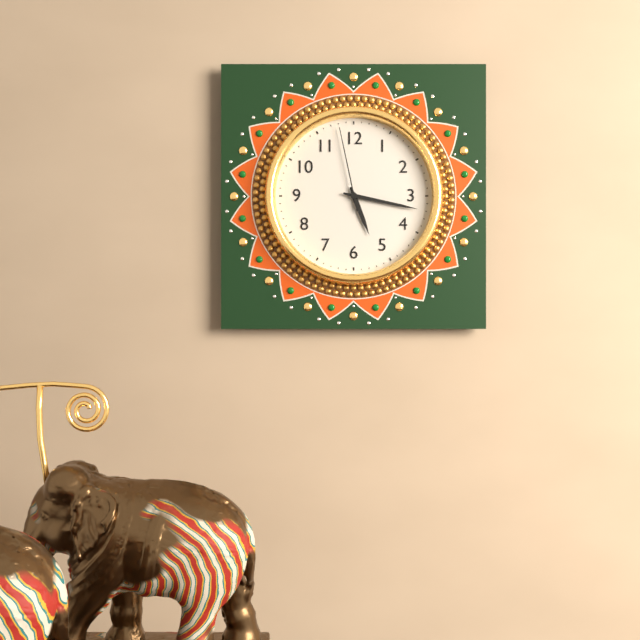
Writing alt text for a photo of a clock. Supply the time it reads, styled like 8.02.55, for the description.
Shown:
5.17.58
